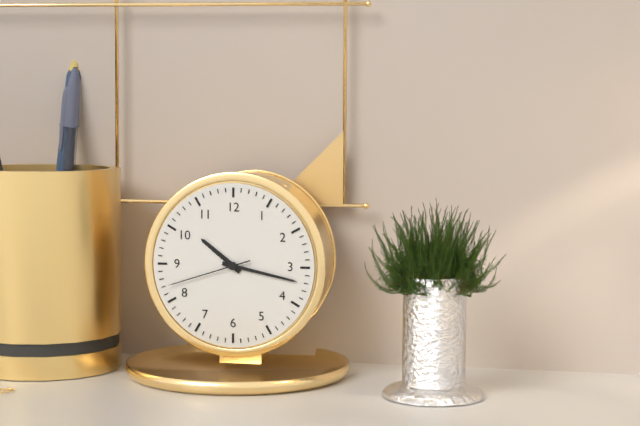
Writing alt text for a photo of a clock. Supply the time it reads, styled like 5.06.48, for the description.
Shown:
10.17.42
